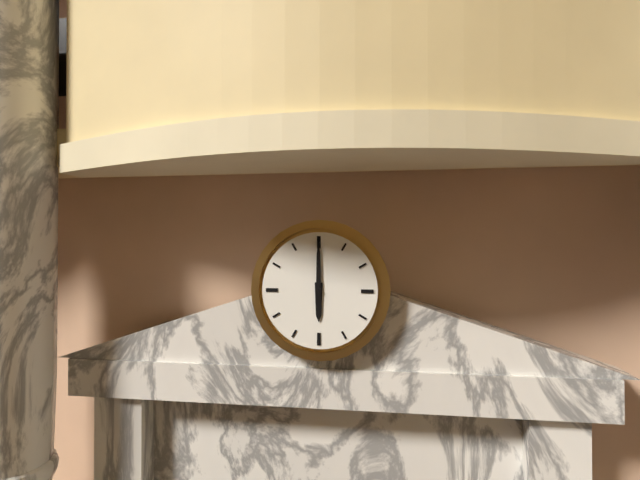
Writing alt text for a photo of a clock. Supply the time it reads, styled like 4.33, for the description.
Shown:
6.00
